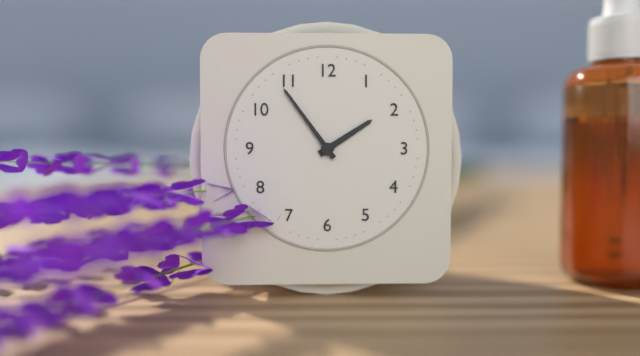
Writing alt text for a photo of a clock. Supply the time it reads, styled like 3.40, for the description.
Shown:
1.54
